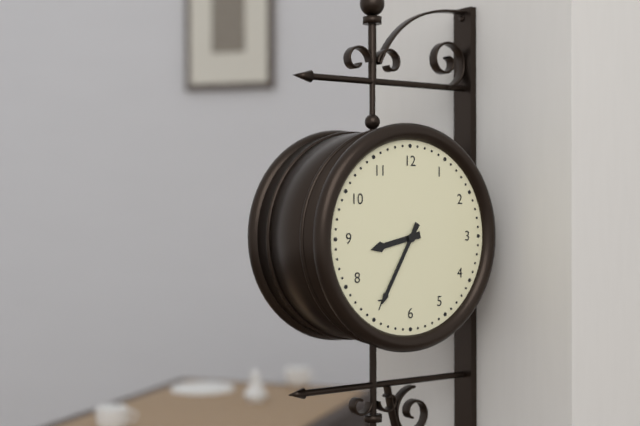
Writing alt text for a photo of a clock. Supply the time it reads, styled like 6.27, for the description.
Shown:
8.35
